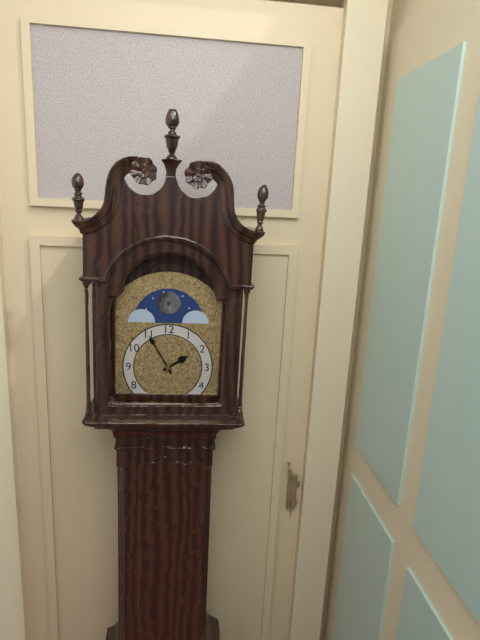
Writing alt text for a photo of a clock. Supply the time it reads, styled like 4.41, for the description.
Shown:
1.55
